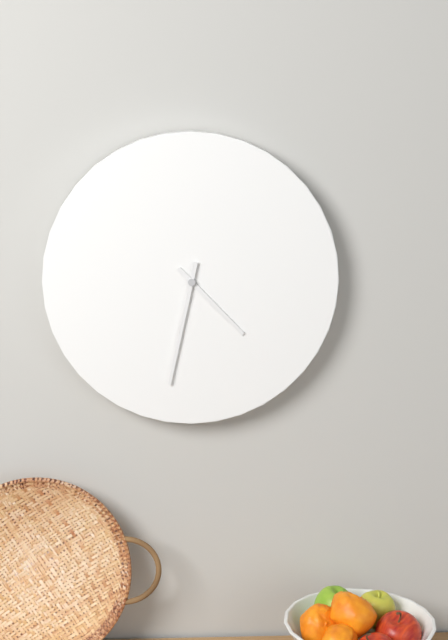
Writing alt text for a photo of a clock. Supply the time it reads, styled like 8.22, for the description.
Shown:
4.32
